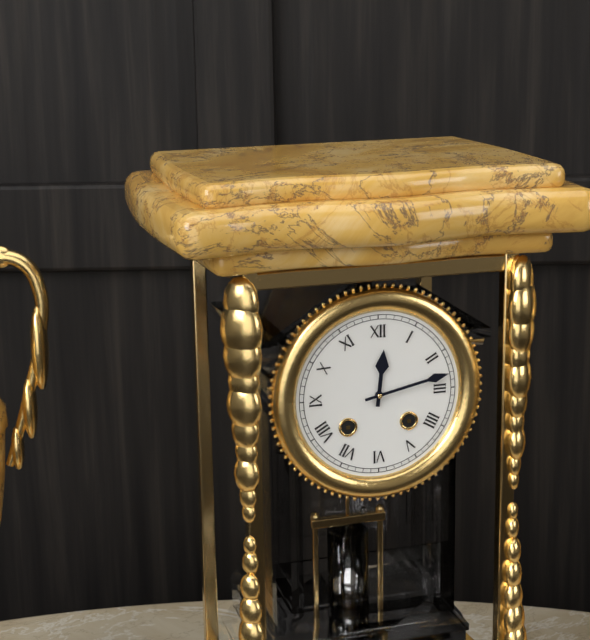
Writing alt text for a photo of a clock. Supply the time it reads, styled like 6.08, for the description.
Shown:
12.13
